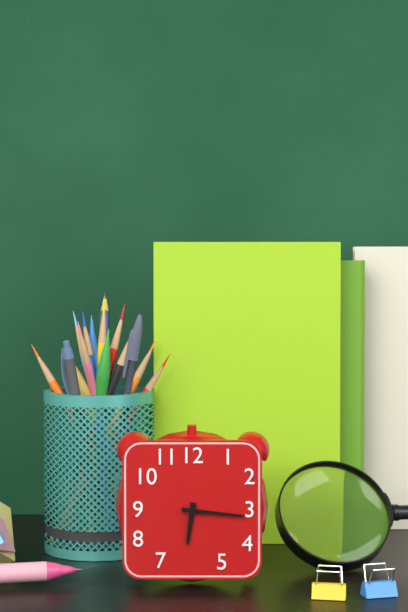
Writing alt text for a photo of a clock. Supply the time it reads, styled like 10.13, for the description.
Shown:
6.16
